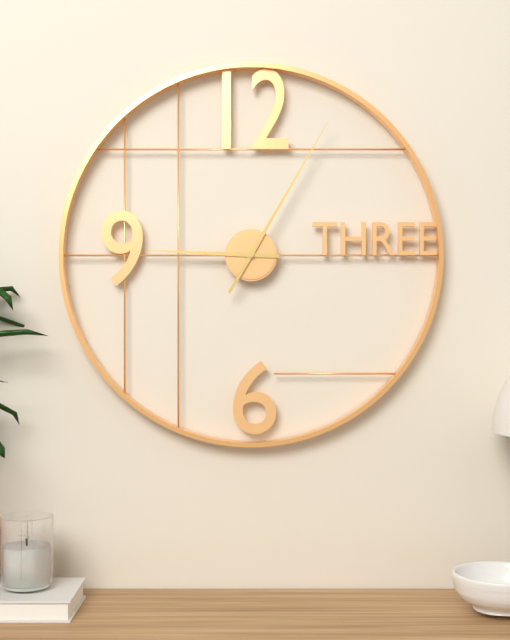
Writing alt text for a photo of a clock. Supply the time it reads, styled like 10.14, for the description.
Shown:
9.05
